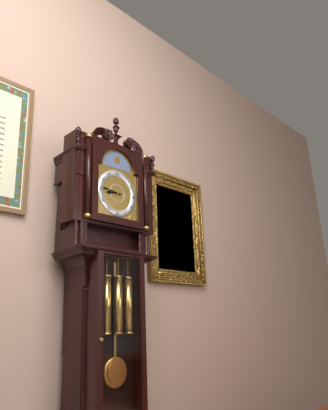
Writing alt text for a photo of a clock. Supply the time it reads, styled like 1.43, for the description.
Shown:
8.46
